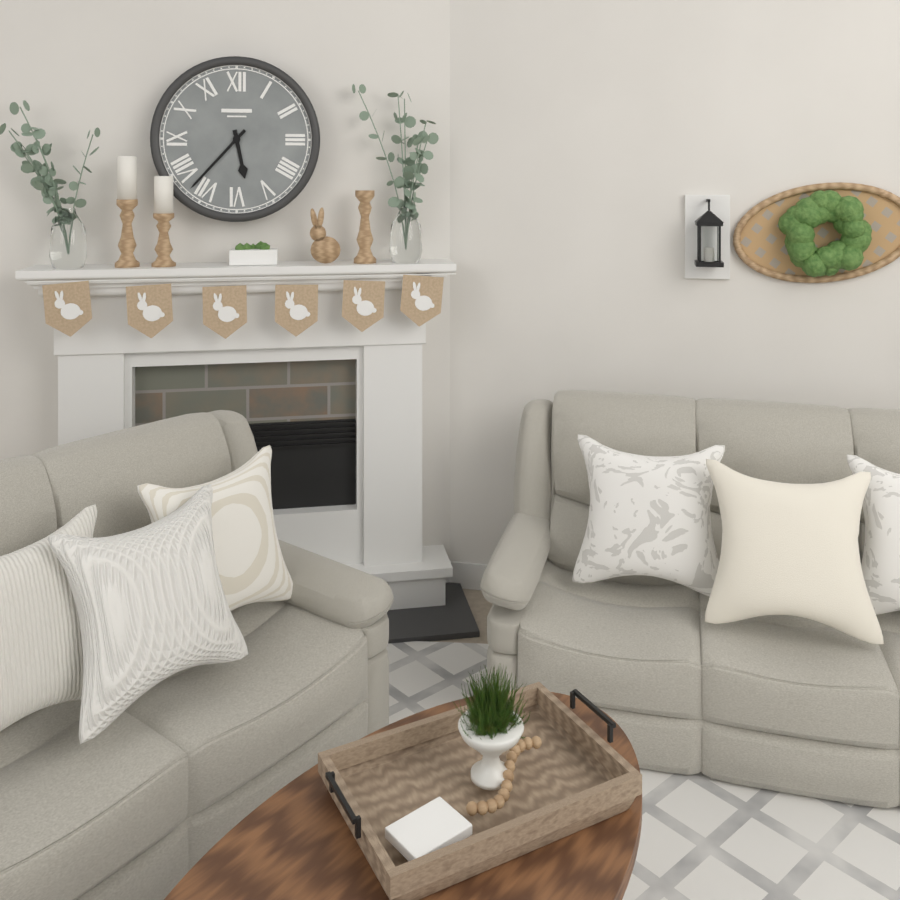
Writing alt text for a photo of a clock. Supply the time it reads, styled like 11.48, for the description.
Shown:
5.37
